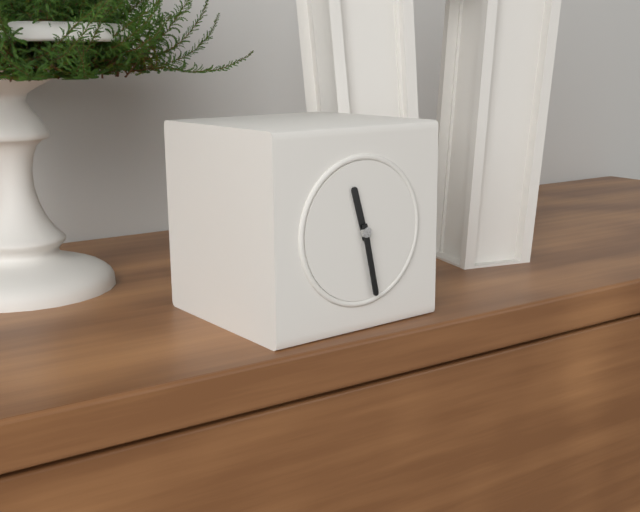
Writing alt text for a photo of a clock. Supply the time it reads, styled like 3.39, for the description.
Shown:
11.28
